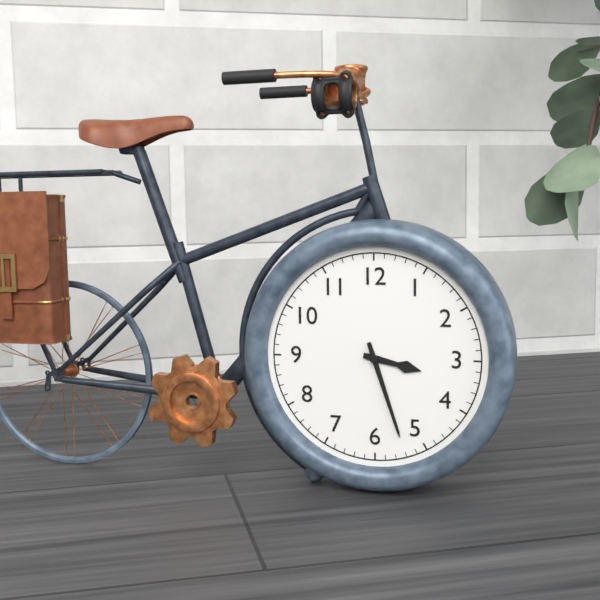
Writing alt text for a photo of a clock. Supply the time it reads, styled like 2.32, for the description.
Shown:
3.27
